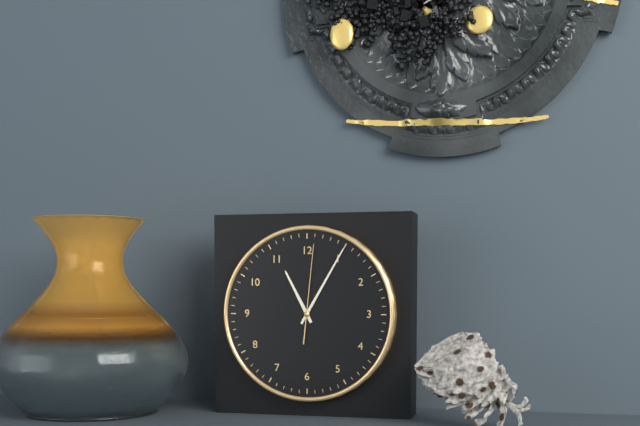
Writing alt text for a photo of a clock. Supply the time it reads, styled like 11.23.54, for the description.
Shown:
11.05.01
